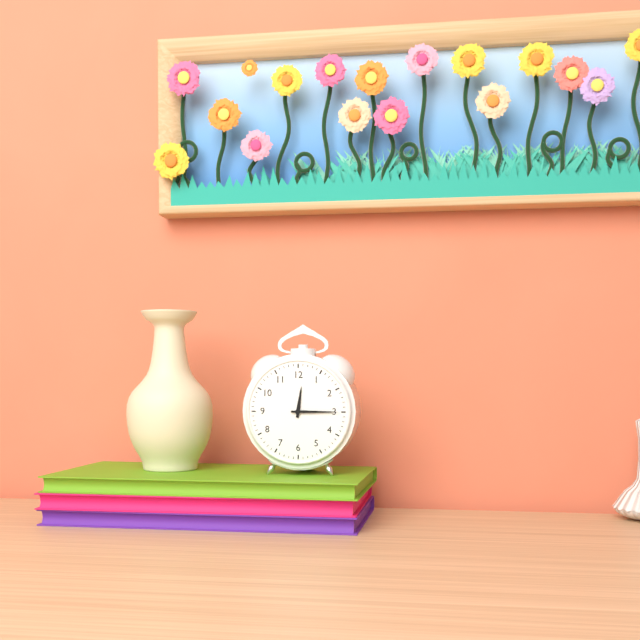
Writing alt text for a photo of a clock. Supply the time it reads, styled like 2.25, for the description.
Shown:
12.15
